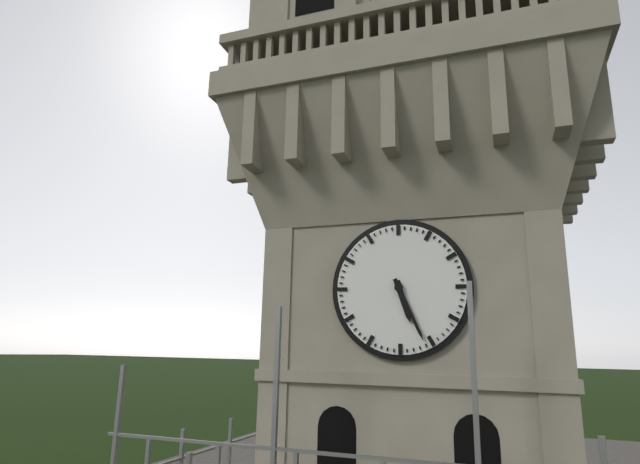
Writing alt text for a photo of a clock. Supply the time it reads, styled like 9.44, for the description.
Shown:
5.26
